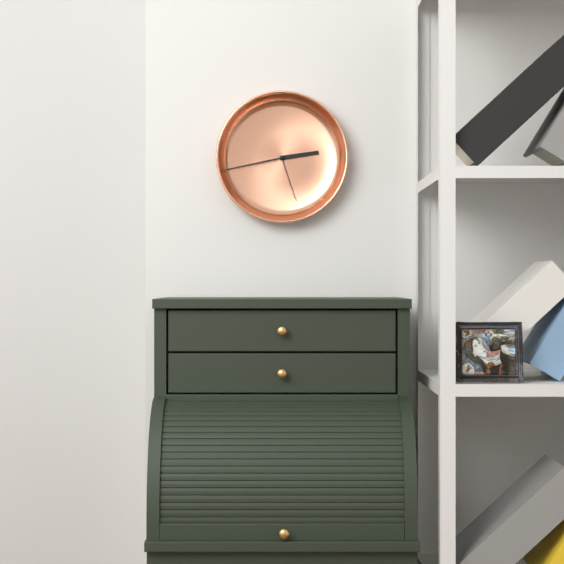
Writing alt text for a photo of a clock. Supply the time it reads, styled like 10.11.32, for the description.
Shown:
2.43.27
